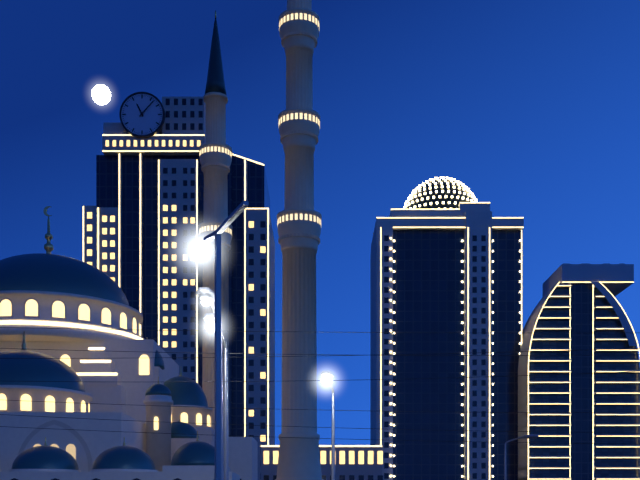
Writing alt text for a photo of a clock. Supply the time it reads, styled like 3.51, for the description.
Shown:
11.07
